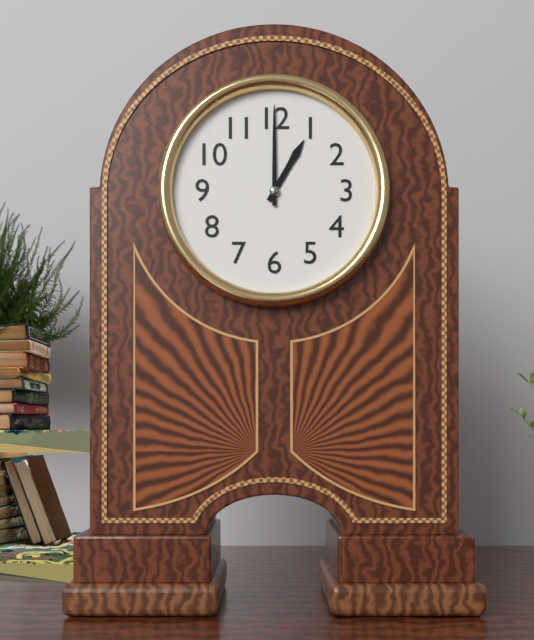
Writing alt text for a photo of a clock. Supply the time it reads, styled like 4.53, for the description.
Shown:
1.00
